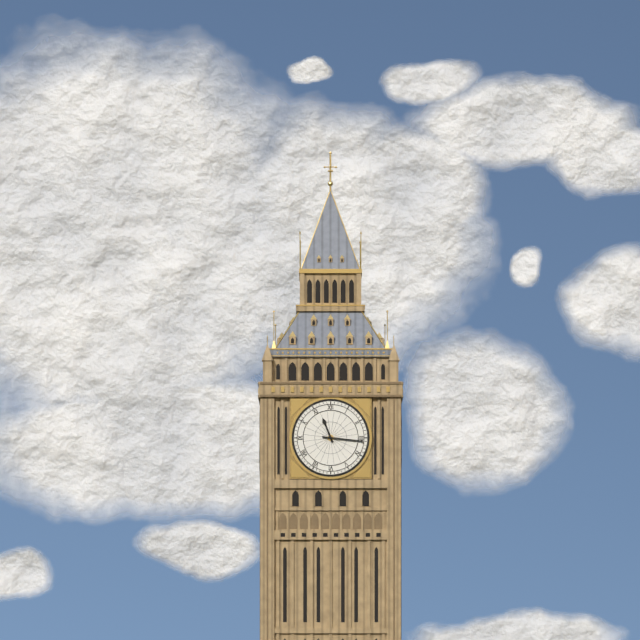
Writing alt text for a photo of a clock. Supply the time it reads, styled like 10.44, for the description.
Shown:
11.16
